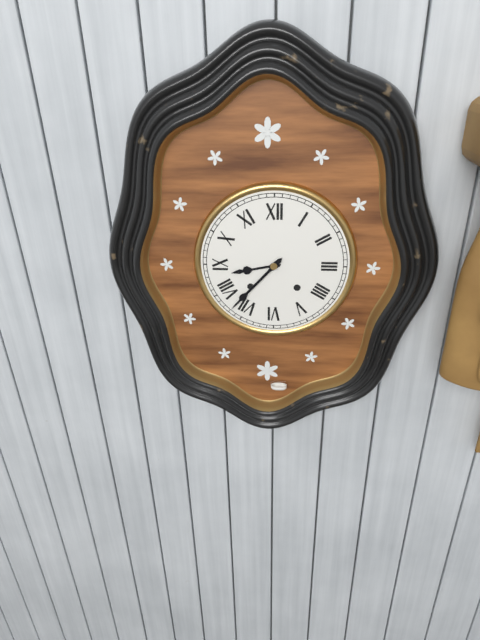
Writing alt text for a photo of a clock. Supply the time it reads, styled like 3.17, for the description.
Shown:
8.37
